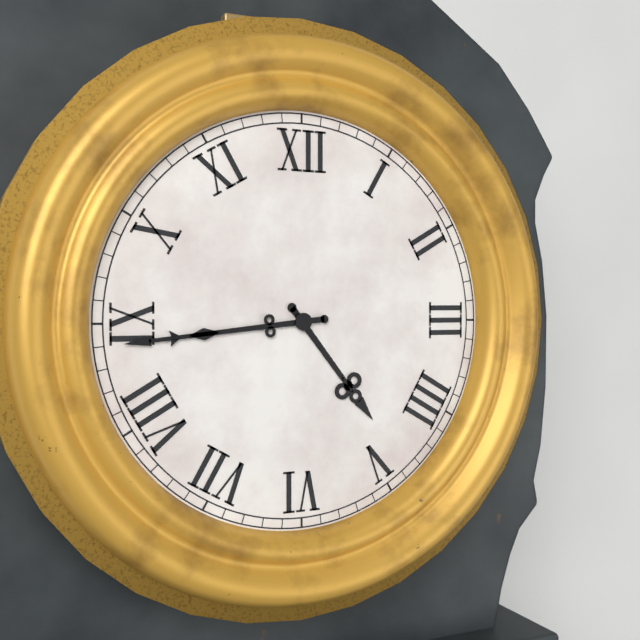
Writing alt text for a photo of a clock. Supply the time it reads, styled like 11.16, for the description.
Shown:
4.44
